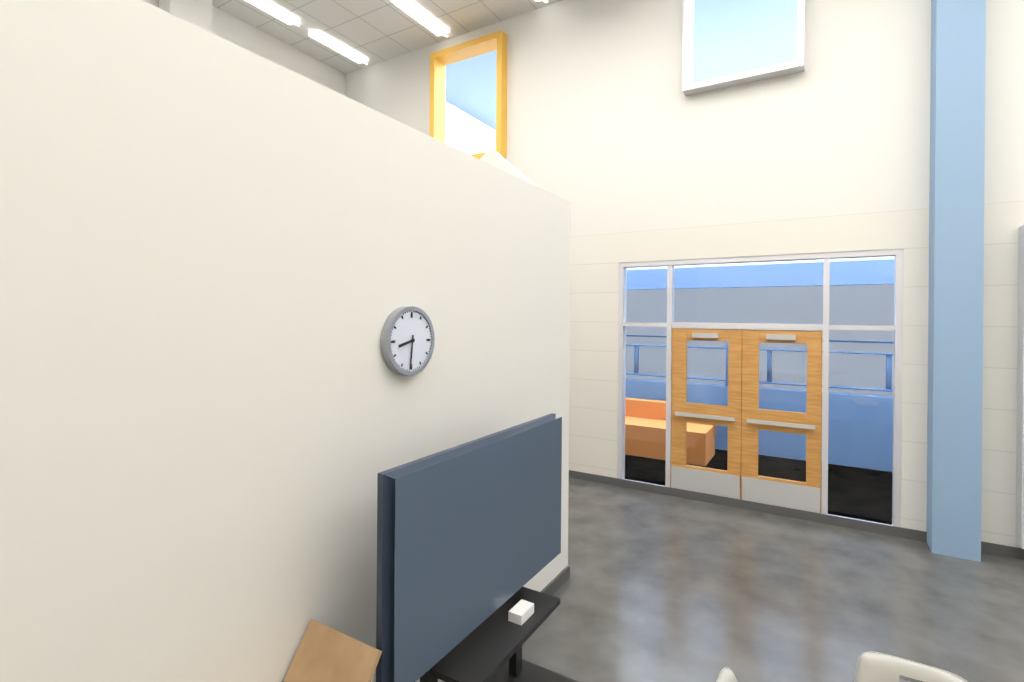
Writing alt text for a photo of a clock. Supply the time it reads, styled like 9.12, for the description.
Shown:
8.31
